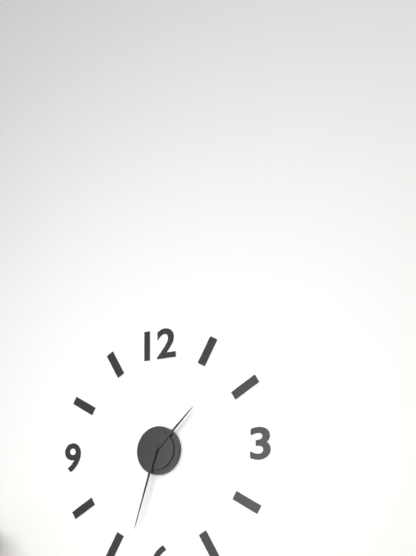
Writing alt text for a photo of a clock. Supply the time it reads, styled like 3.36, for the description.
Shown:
1.33
